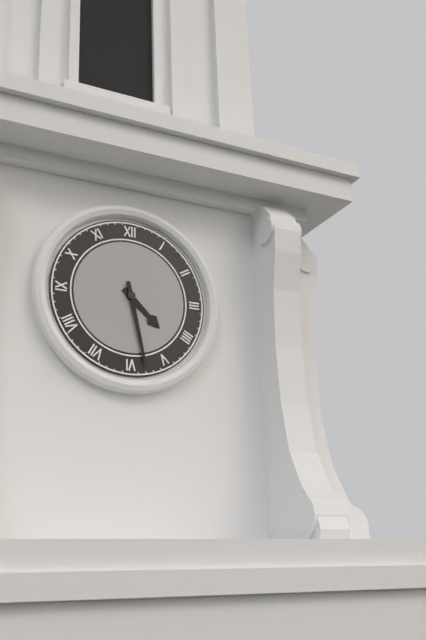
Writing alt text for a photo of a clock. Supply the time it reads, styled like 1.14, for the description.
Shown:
4.28
